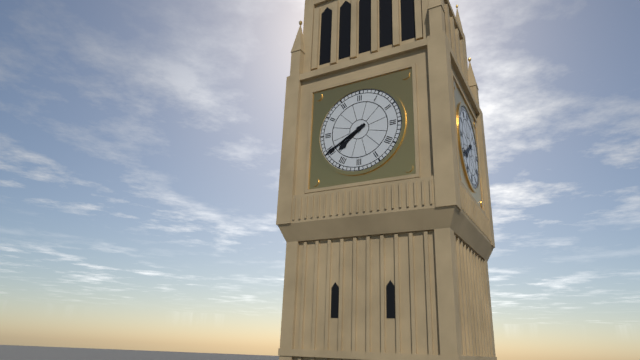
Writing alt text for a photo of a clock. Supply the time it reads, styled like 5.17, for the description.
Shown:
7.40
